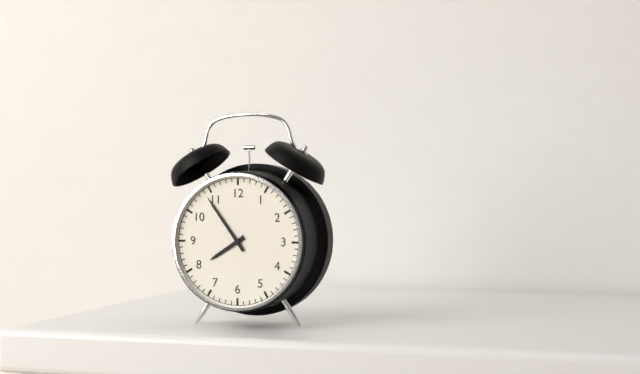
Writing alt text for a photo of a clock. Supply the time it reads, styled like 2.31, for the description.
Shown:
7.54
